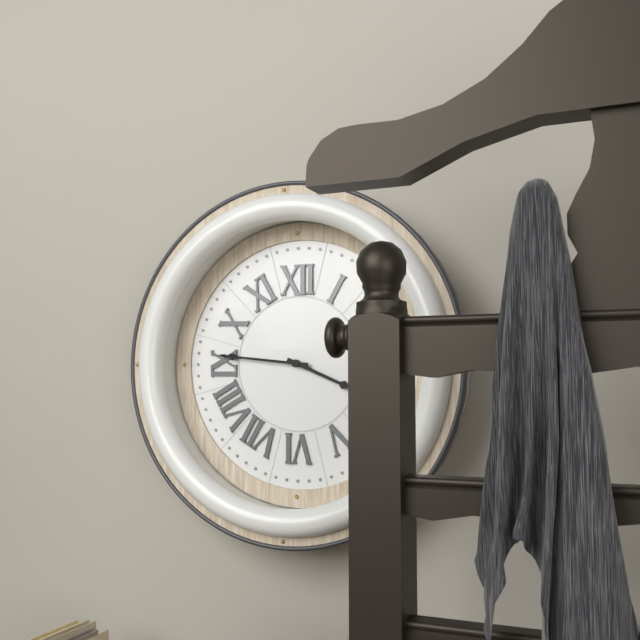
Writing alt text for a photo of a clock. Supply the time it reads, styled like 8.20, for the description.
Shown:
3.46
